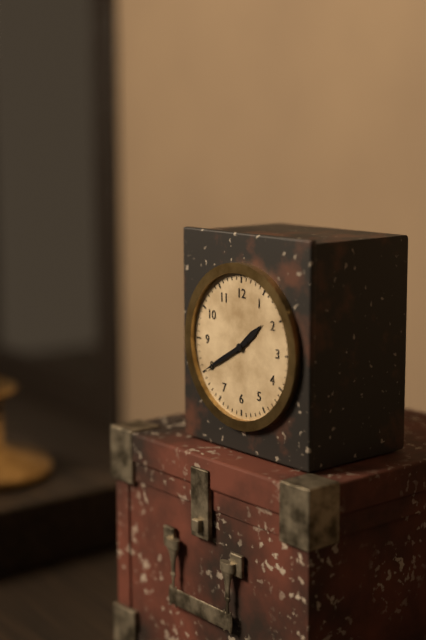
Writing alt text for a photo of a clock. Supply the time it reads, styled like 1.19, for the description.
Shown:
1.40
